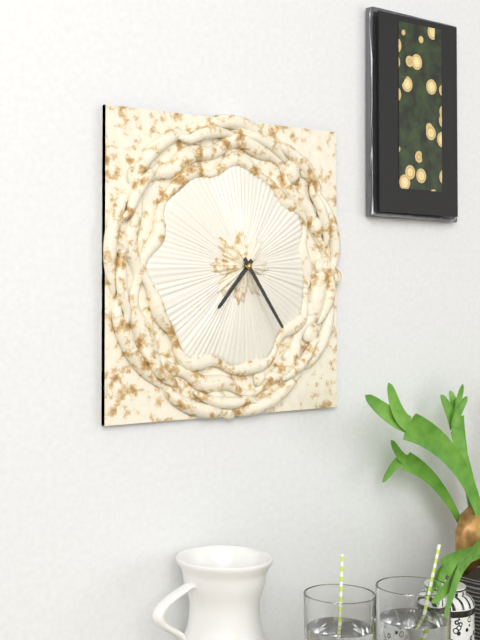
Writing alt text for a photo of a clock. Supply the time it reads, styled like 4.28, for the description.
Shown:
7.24
